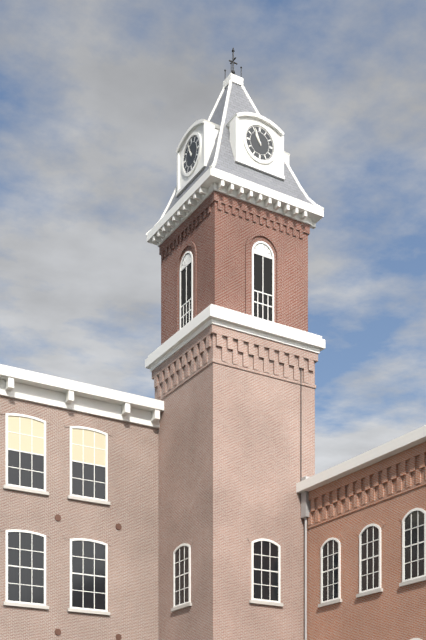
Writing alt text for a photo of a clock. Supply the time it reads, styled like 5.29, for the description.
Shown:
10.56
